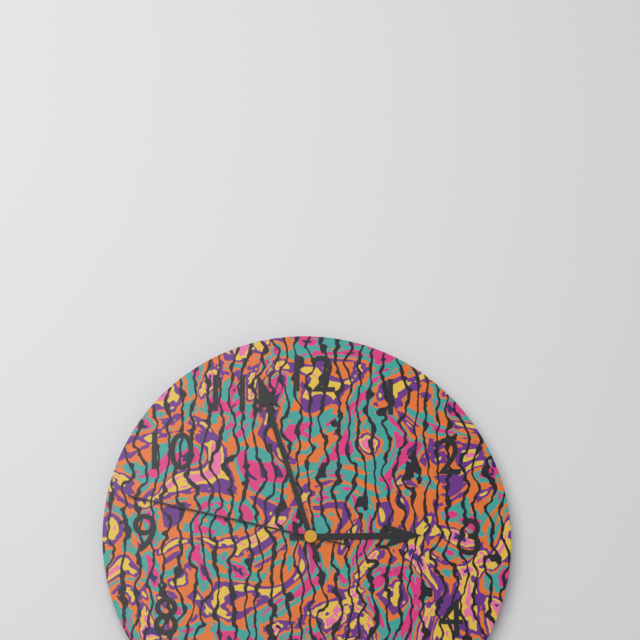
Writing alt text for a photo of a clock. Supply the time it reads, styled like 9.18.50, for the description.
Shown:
2.57.47
